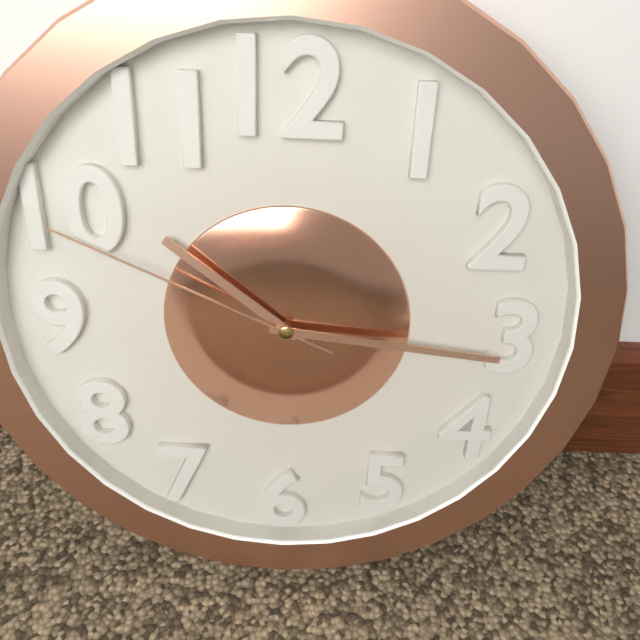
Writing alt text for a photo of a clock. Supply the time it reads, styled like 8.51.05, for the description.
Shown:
10.16.49
